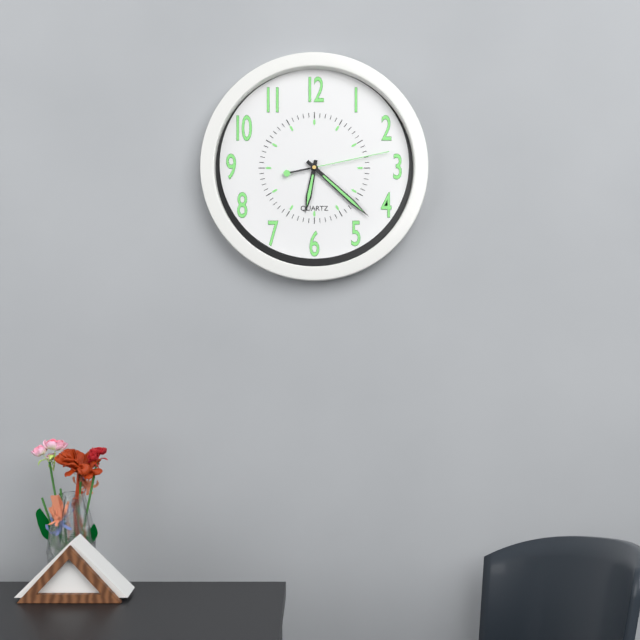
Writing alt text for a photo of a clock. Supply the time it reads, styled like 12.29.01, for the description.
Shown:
6.22.13
